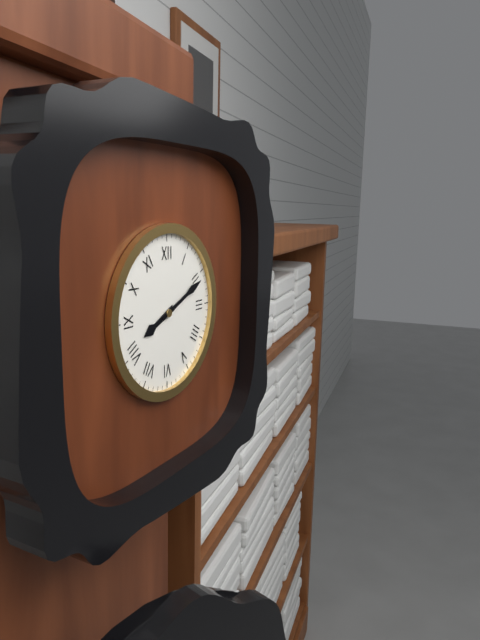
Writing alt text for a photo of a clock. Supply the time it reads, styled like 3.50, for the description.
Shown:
8.11
